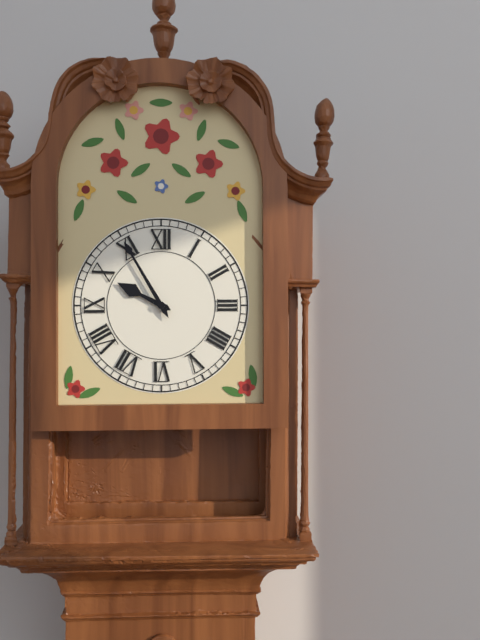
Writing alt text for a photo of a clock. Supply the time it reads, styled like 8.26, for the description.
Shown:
9.55
